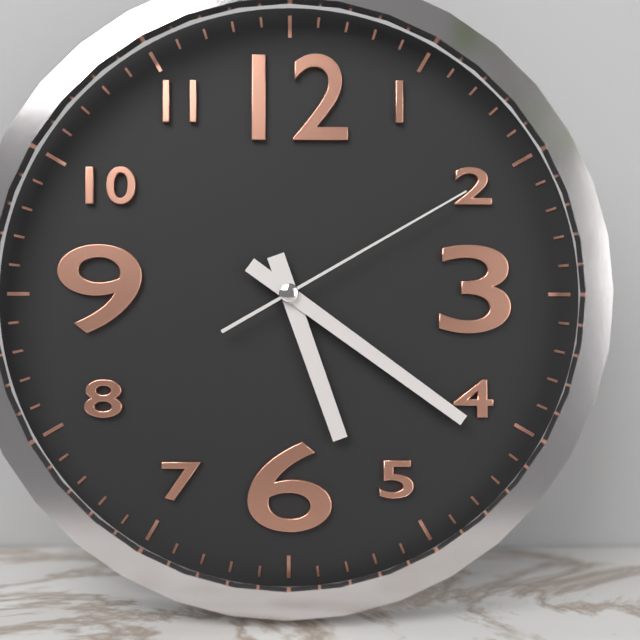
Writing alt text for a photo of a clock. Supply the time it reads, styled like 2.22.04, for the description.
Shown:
5.21.10
